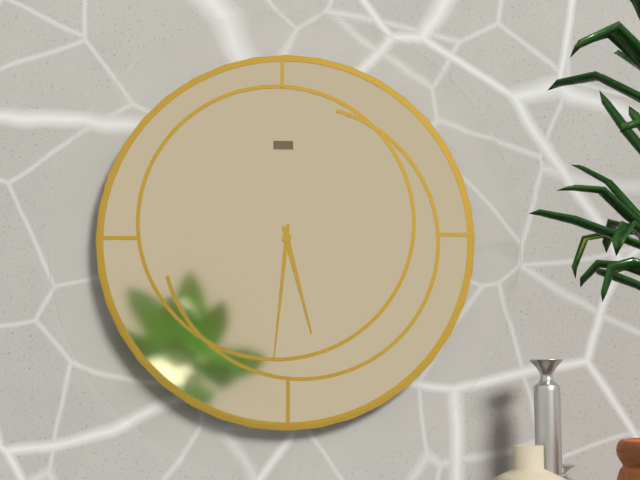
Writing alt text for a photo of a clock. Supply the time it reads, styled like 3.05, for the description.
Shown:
5.31
